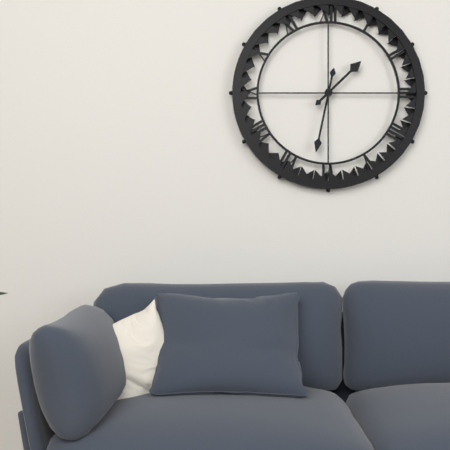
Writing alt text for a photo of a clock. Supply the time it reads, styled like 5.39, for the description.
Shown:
1.32
